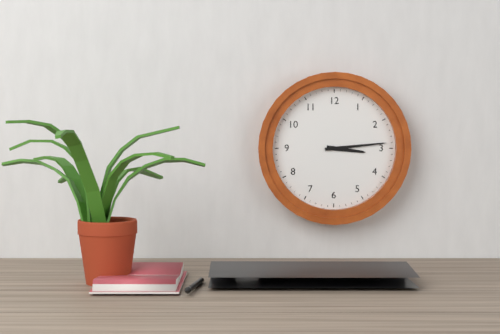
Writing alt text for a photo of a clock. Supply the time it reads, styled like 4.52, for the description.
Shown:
3.14
